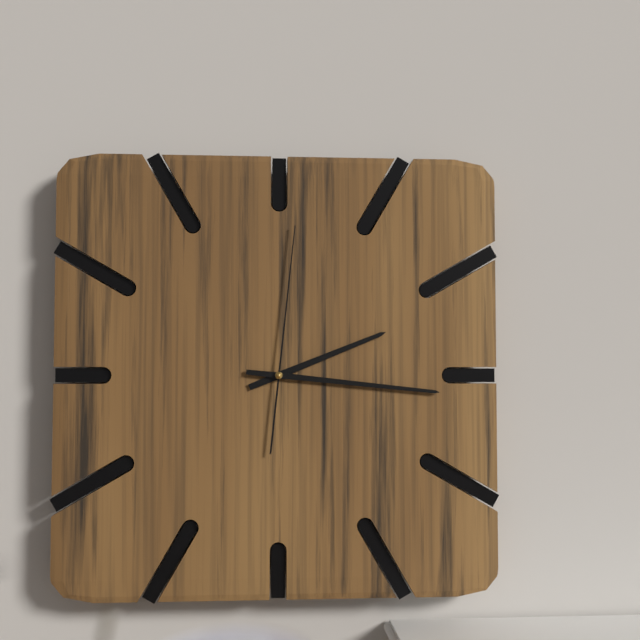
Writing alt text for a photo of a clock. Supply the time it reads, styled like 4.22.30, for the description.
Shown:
2.16.01
